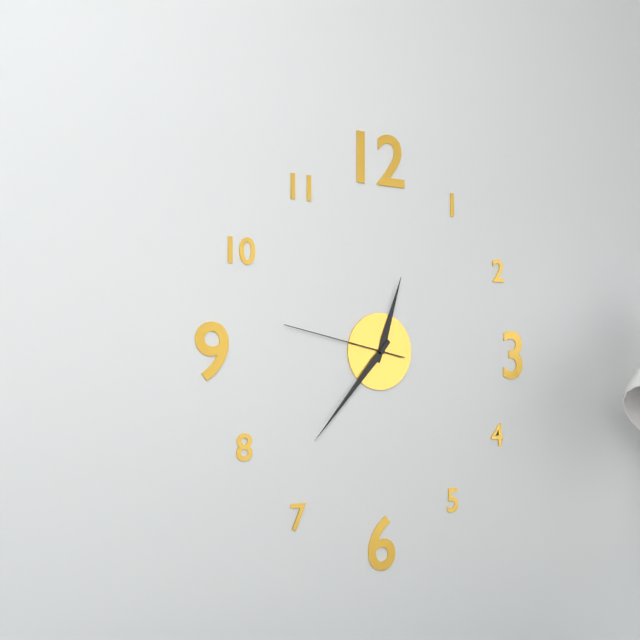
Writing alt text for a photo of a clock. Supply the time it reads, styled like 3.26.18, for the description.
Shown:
12.37.47
